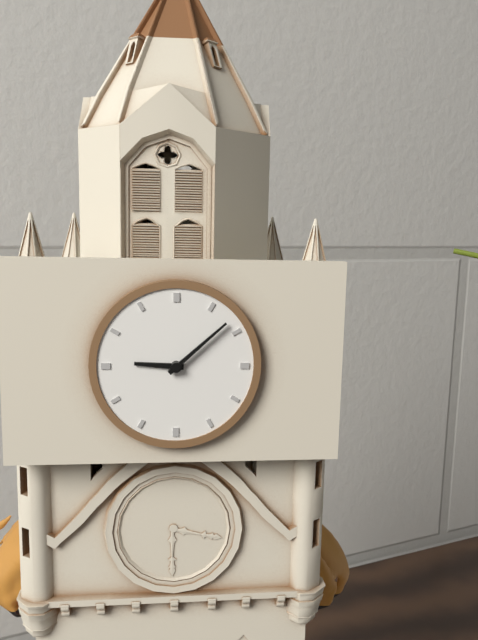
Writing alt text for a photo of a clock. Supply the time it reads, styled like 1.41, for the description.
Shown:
9.08
